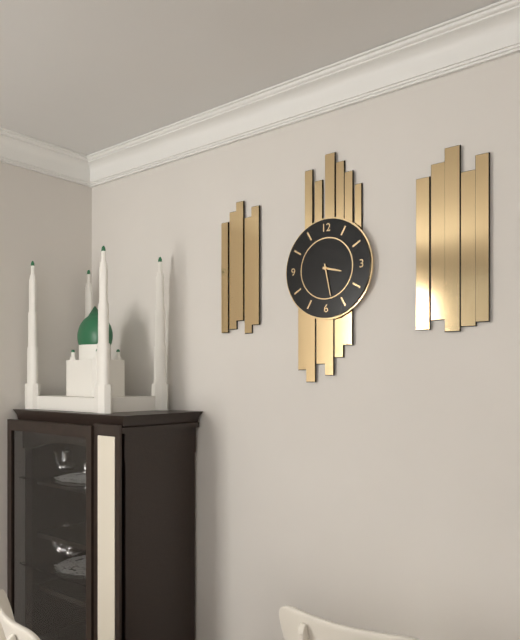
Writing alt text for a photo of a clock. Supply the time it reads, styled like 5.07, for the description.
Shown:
3.28
